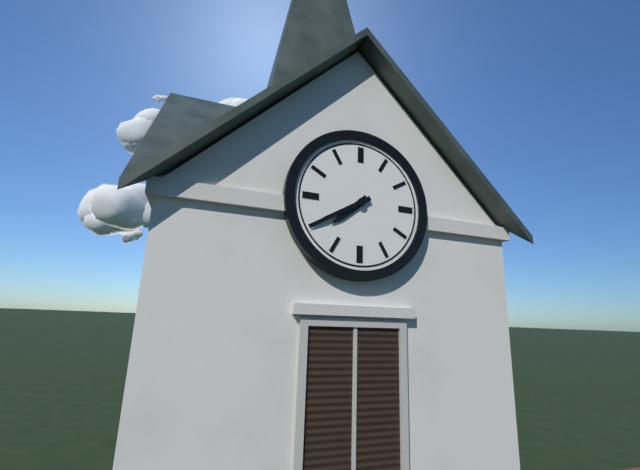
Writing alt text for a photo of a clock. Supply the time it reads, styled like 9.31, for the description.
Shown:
7.40
